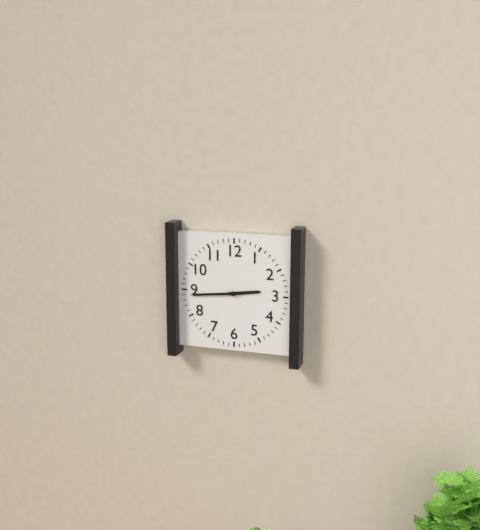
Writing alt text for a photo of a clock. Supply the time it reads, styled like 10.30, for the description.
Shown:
2.44
